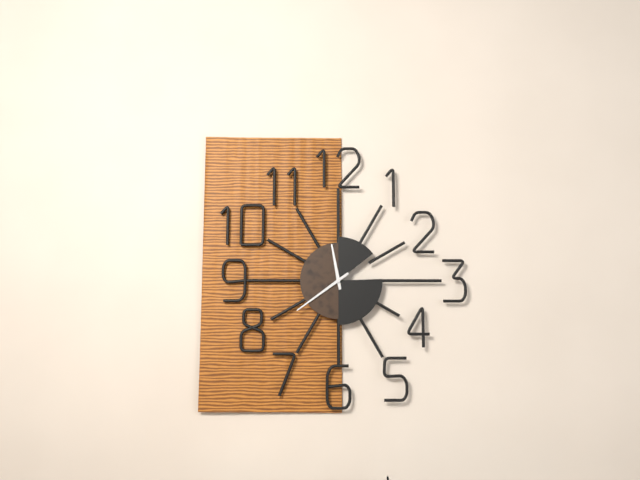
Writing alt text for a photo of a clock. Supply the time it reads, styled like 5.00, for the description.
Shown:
11.39
